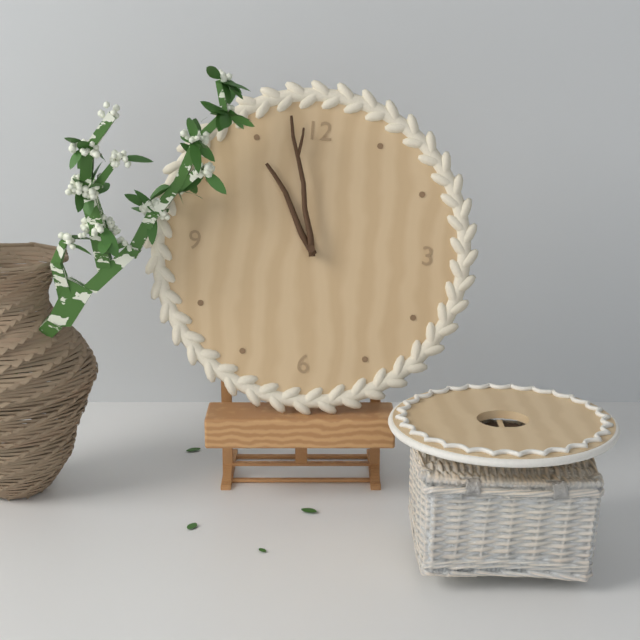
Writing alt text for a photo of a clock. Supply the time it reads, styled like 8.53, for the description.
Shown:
10.58
